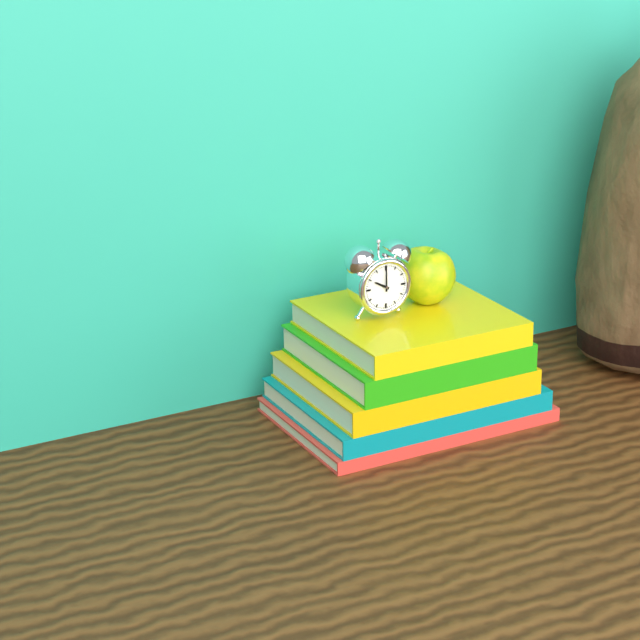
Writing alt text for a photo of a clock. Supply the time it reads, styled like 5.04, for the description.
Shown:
10.00
